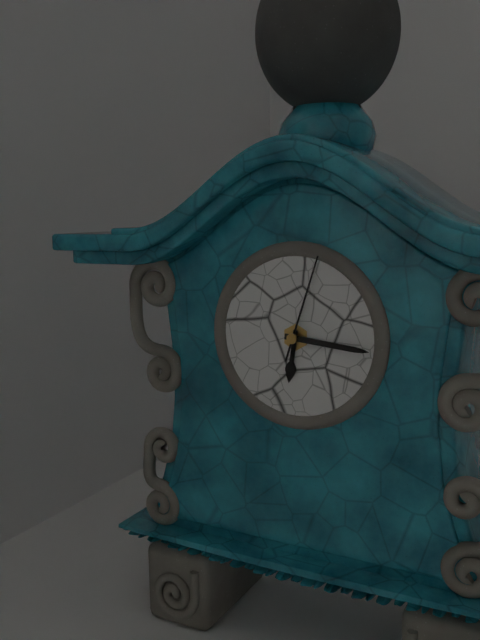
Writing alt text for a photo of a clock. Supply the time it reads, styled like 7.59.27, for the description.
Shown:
6.16.03
